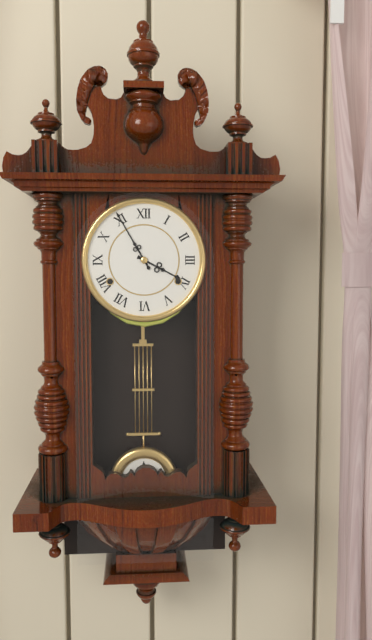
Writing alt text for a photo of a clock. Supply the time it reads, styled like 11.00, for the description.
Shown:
3.55
